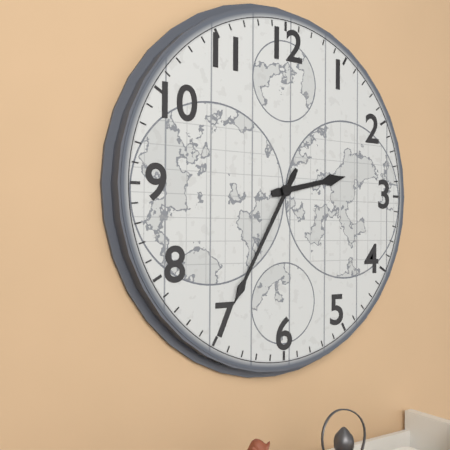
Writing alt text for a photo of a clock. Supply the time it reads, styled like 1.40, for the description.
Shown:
2.35
